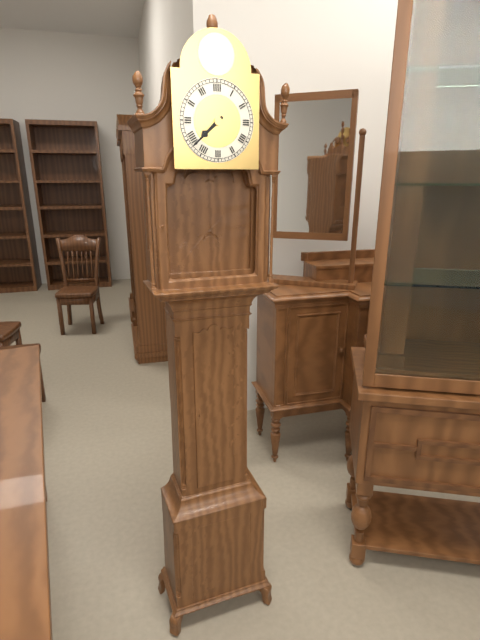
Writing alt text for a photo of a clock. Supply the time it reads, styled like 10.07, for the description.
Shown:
7.38
